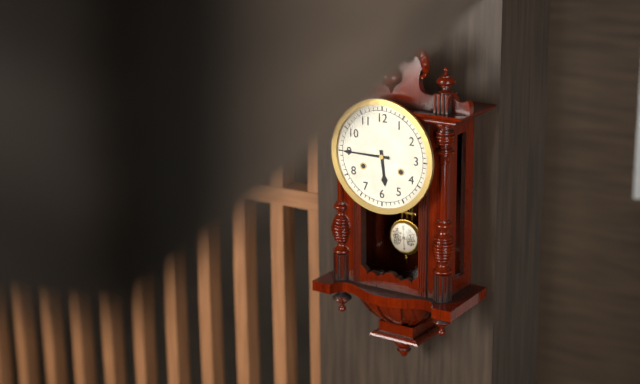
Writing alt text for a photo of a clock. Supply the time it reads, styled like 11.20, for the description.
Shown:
5.45
